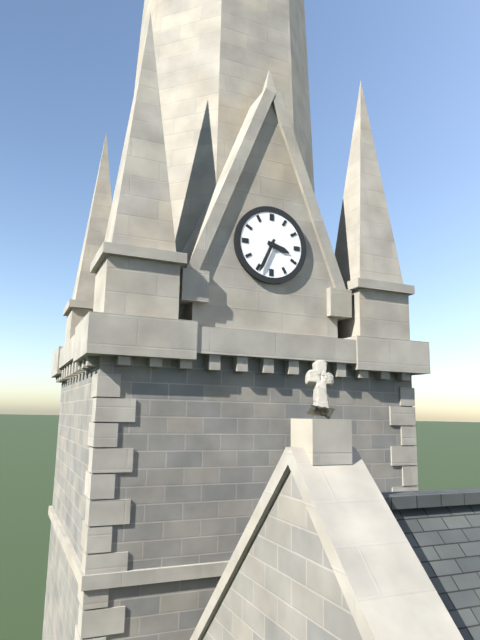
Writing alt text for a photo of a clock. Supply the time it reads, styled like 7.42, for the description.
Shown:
3.34
